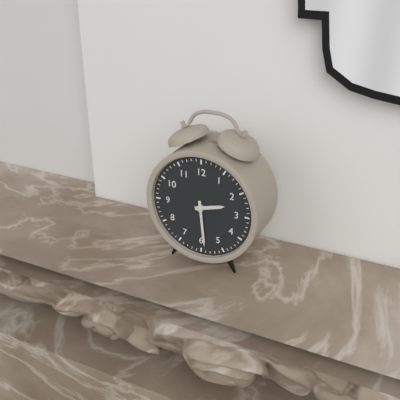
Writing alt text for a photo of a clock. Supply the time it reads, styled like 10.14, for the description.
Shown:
2.29
